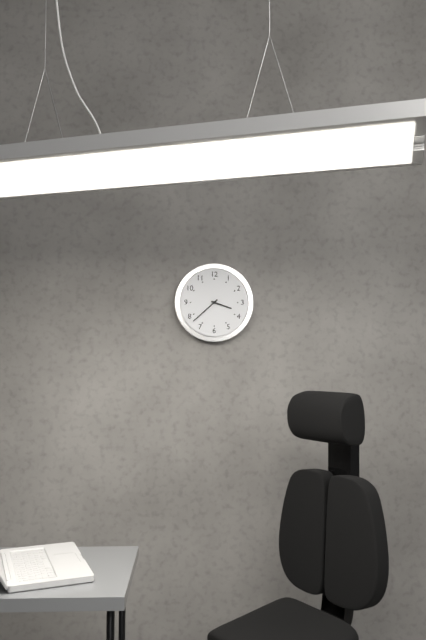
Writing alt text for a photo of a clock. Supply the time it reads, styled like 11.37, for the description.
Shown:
3.38
